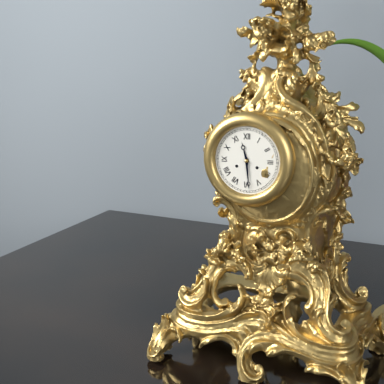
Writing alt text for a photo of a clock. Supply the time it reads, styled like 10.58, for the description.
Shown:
11.29
